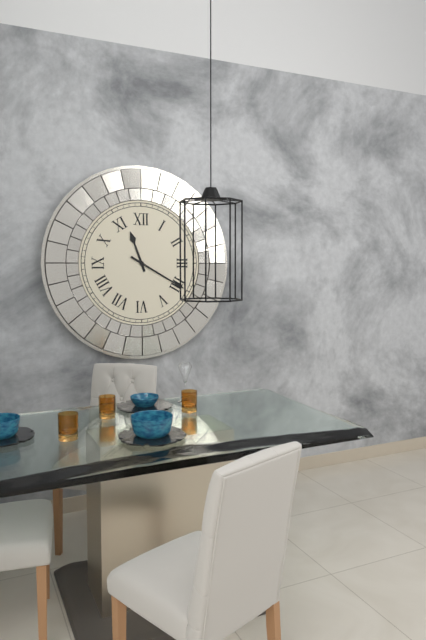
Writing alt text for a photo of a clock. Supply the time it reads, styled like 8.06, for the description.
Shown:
11.20
